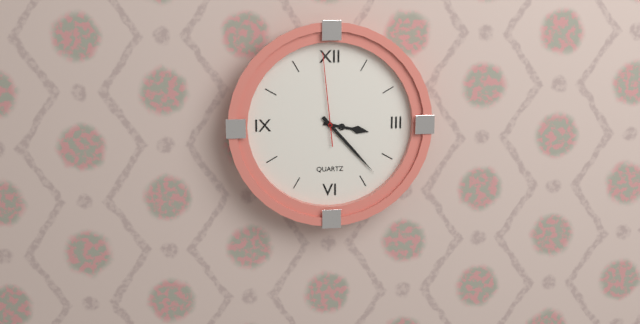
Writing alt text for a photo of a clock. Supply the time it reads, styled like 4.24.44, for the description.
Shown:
3.23.59
